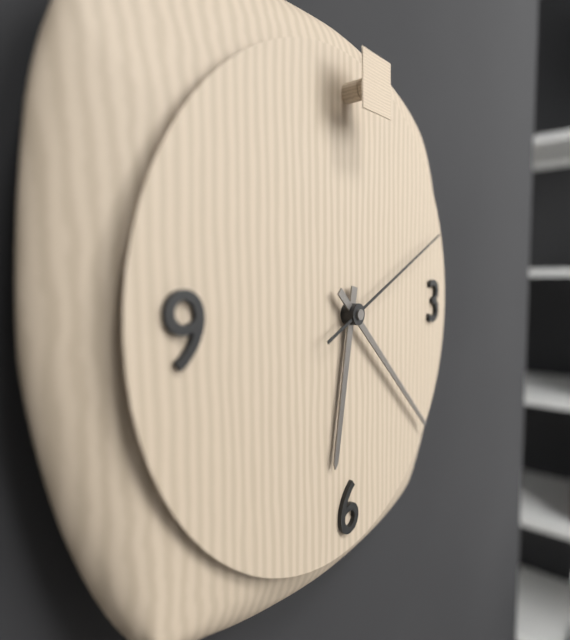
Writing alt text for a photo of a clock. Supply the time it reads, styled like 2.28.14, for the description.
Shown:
6.22.11
